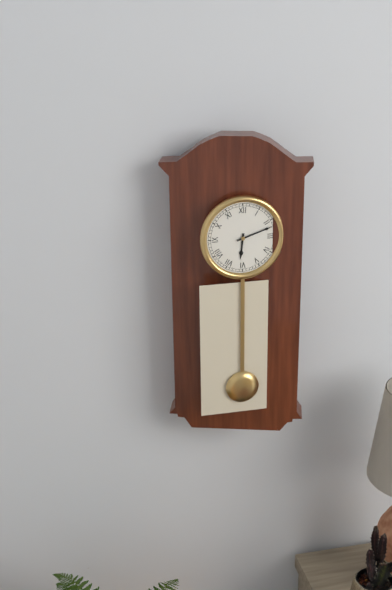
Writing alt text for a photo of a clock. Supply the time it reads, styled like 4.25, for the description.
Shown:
6.12
